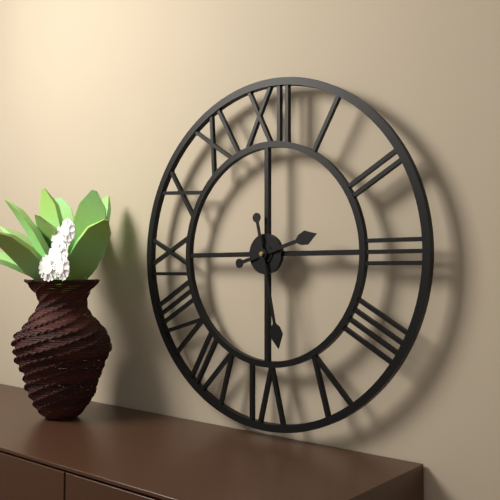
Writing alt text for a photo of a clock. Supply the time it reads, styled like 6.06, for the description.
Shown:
2.28
